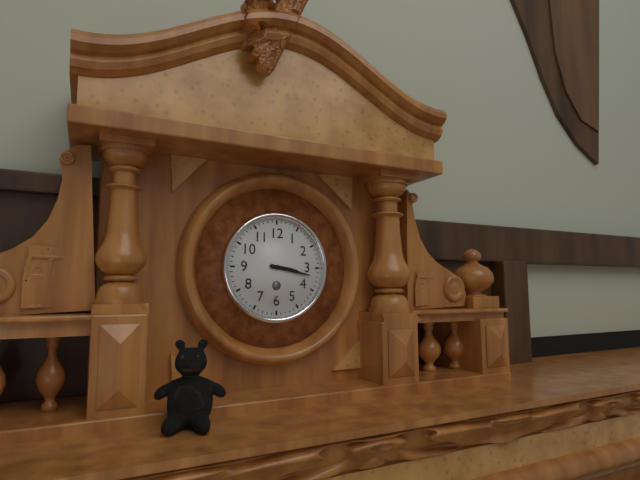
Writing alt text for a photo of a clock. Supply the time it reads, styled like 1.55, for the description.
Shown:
3.17
